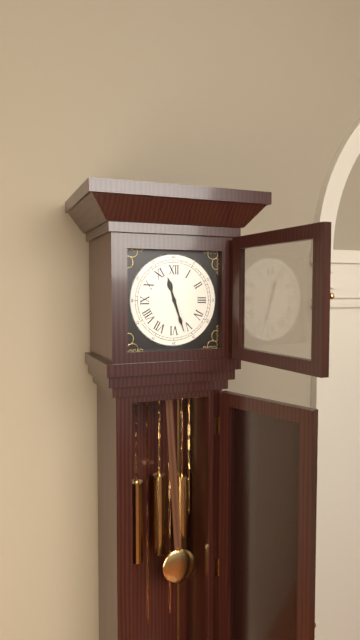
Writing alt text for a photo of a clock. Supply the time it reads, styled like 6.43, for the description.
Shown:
11.27
